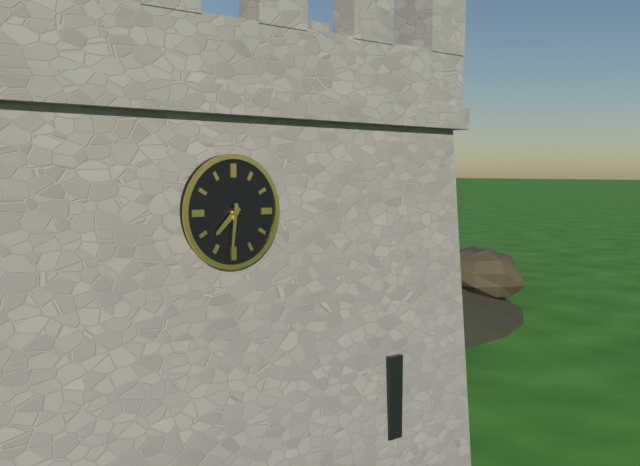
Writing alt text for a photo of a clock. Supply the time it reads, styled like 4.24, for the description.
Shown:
7.31
